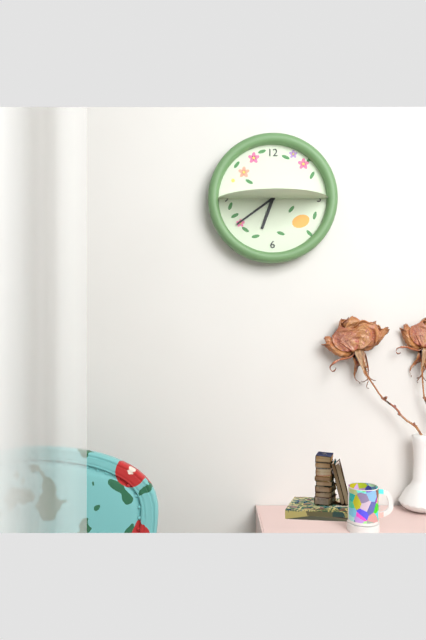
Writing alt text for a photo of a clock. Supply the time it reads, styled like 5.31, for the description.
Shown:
6.39
